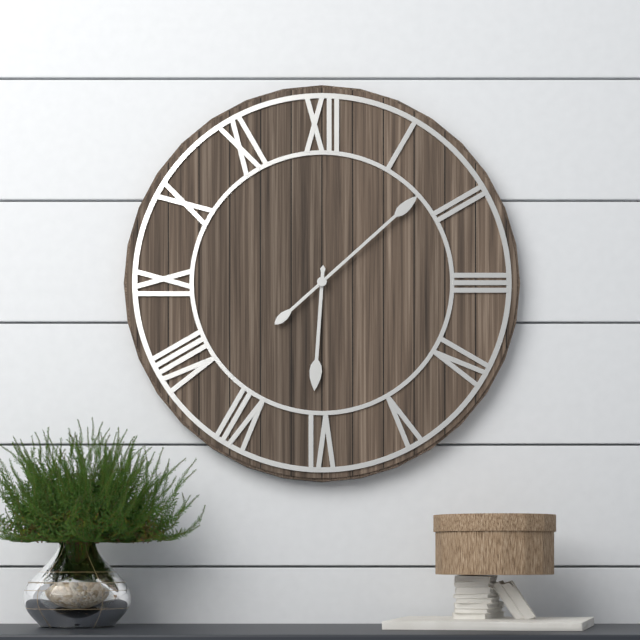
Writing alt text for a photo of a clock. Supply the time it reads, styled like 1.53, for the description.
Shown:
6.08
